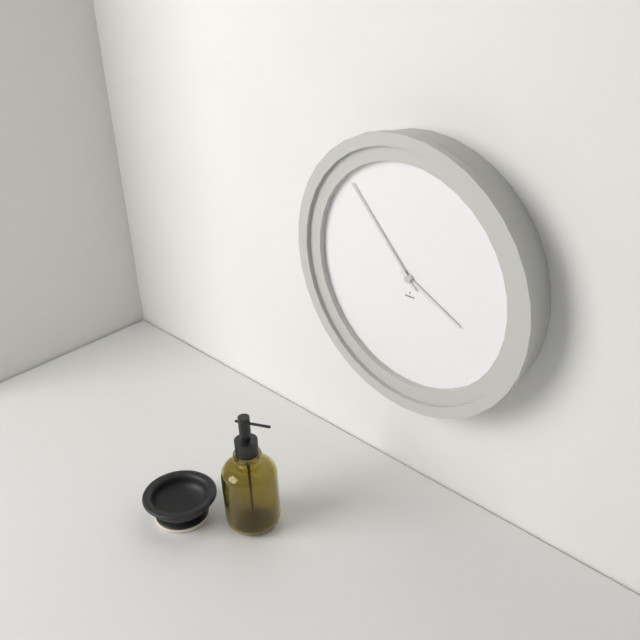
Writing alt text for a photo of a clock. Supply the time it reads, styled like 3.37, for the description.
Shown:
3.53
